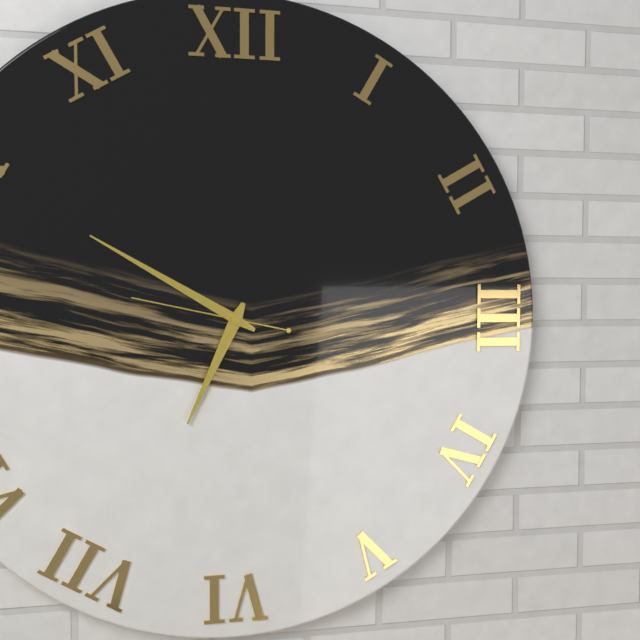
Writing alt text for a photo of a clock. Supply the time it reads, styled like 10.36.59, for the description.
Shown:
6.50.47
